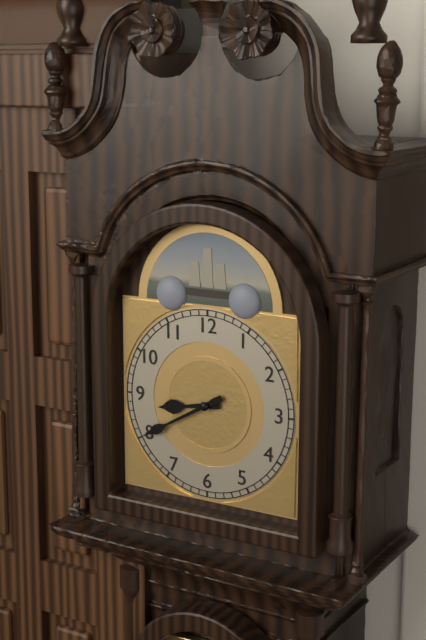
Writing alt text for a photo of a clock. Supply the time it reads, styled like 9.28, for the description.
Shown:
8.40
